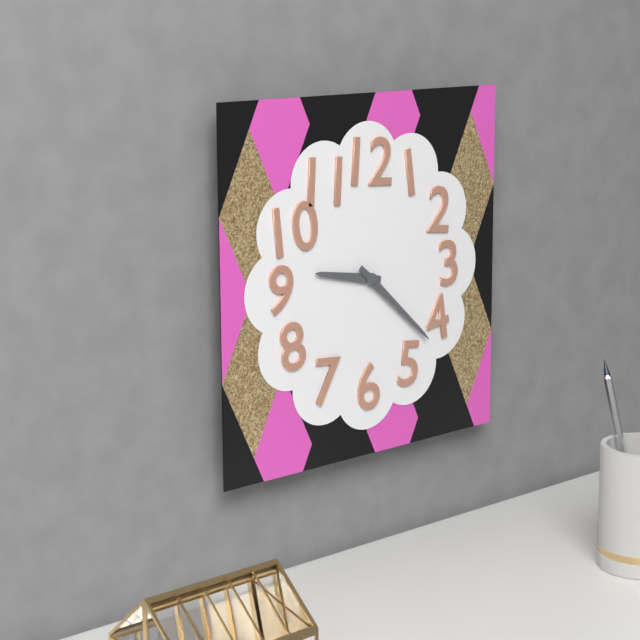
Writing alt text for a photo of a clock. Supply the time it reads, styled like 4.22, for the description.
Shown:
9.22
